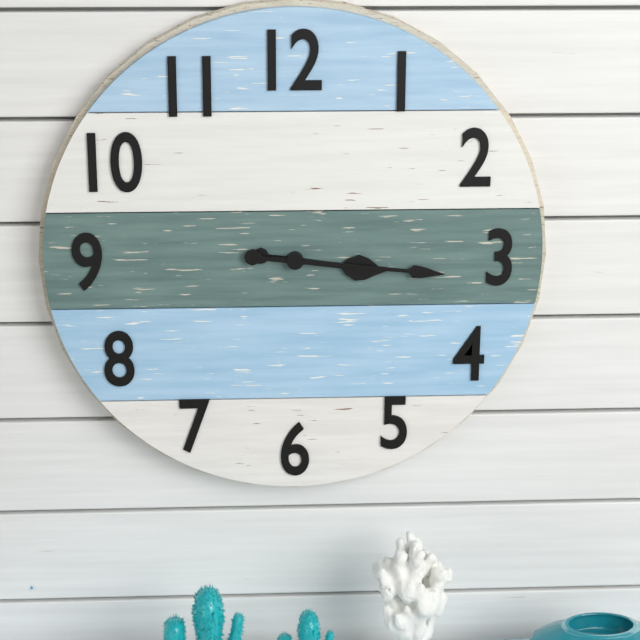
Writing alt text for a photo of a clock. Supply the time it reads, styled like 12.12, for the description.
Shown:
3.16
